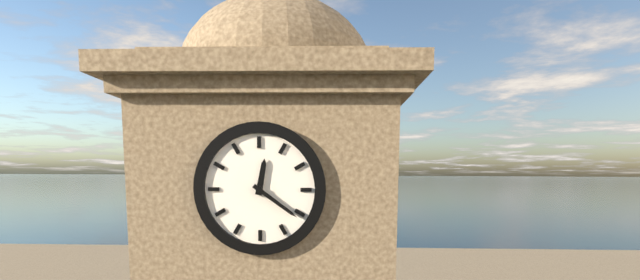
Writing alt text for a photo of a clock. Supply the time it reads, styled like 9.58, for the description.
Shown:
12.21
